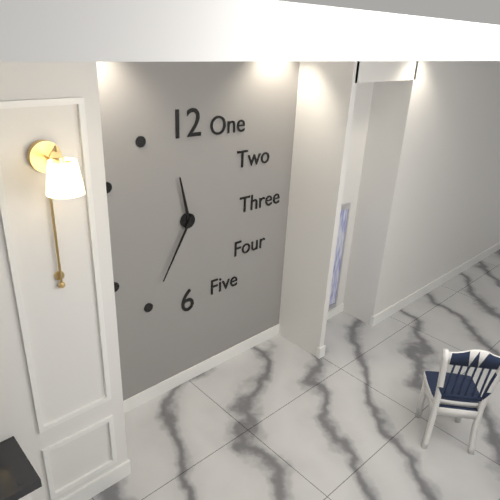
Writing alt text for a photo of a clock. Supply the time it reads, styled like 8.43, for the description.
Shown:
11.35
